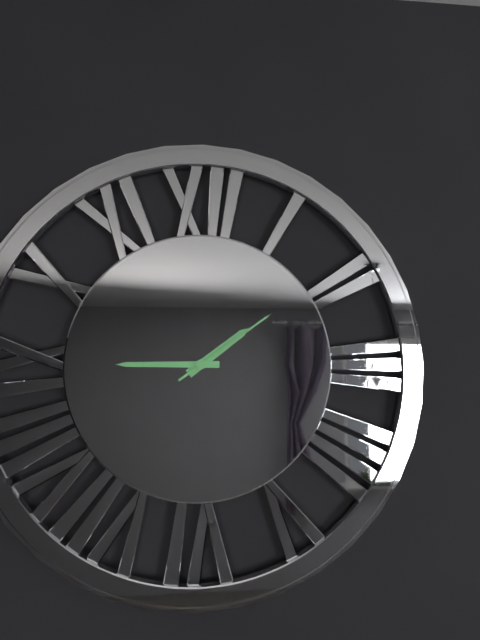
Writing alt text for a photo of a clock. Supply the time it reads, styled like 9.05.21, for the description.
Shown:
1.45.09
